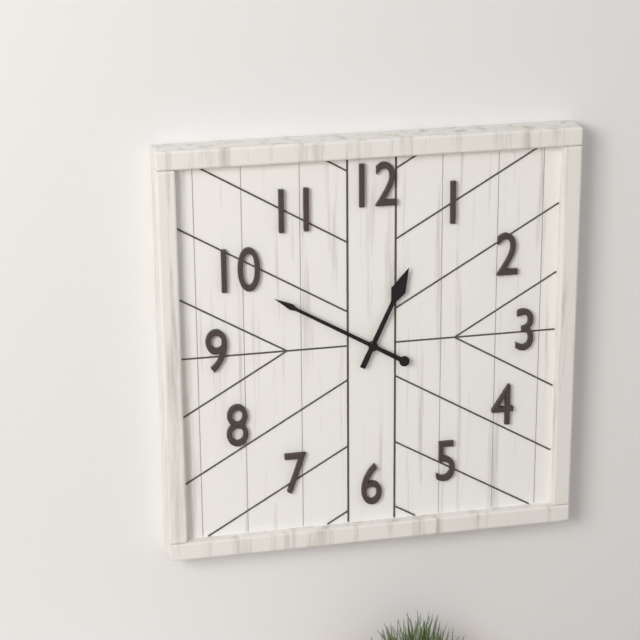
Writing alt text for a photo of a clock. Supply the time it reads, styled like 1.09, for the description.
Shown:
12.50
